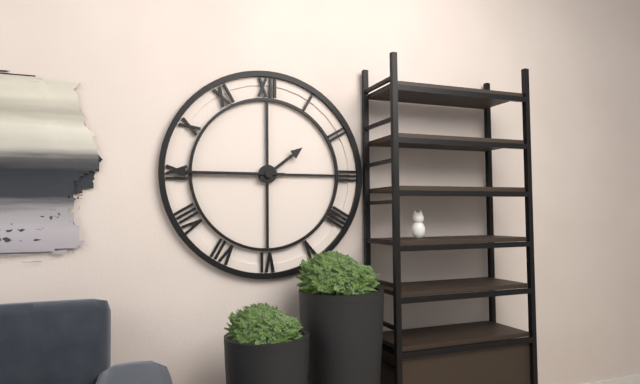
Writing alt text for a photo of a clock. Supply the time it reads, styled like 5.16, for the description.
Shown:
1.45
